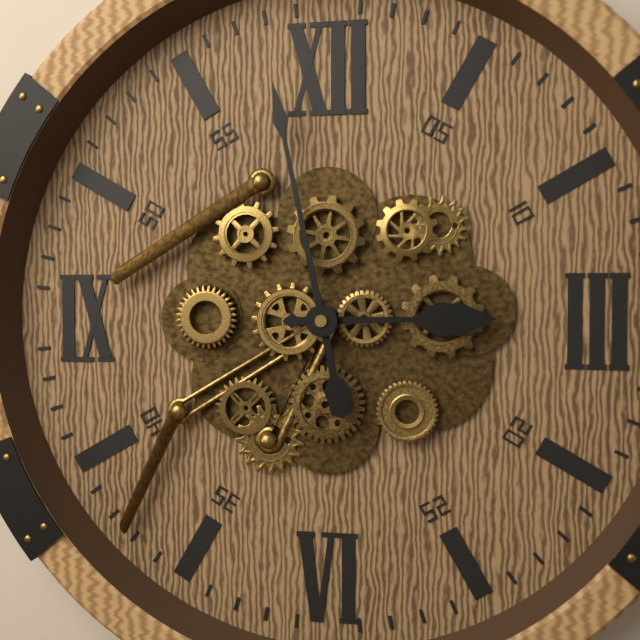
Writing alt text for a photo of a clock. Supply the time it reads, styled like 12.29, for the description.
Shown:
2.58
